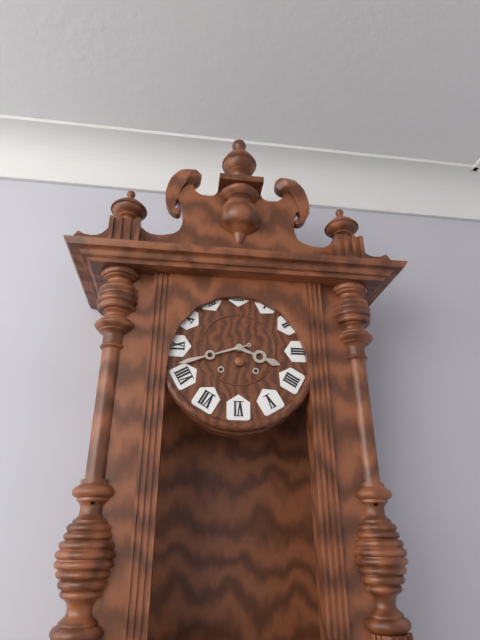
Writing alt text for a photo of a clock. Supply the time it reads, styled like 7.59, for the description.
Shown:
3.42
